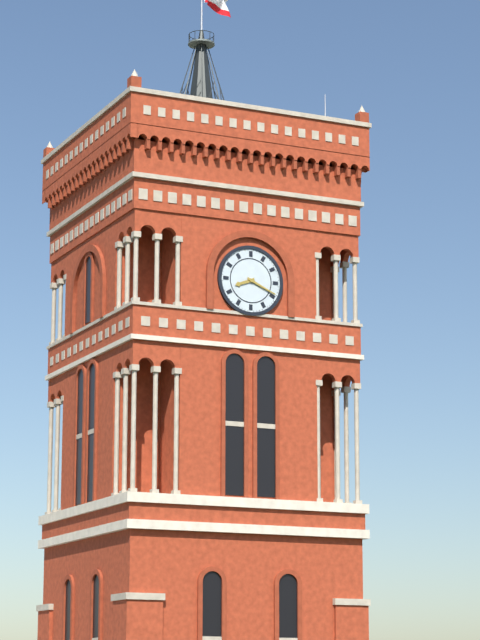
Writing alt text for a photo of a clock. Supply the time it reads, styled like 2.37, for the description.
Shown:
8.19
